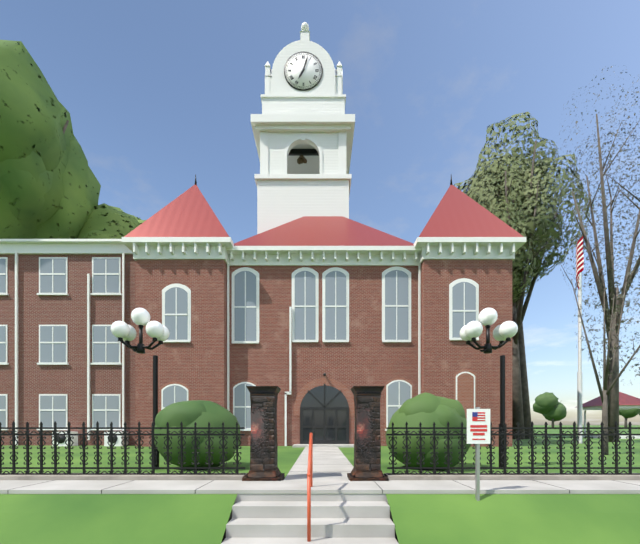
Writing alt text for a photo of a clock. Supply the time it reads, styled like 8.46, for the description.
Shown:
7.03
